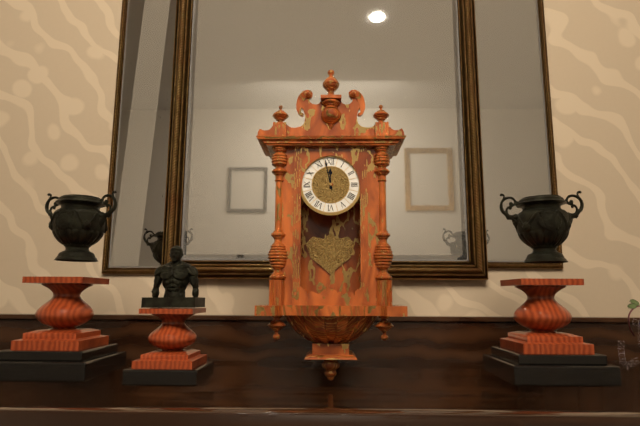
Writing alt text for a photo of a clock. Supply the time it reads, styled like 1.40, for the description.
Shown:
11.58
